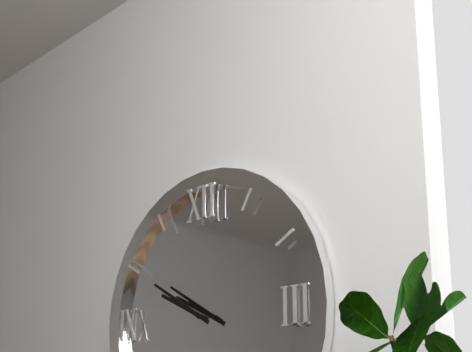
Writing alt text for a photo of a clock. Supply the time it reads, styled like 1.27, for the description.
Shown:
9.50
